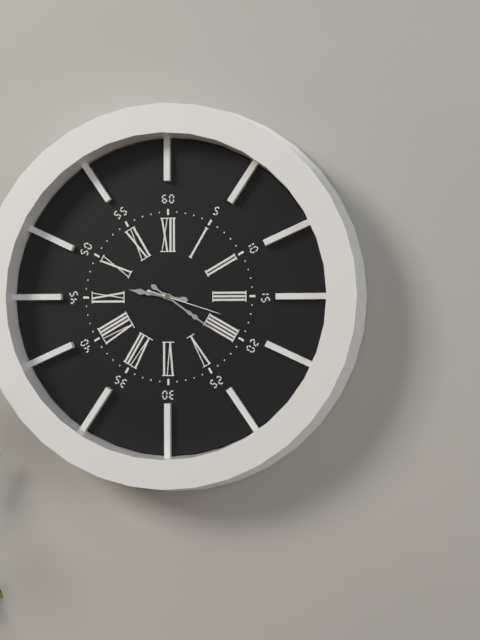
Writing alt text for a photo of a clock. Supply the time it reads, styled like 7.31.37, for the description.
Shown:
9.21.18
